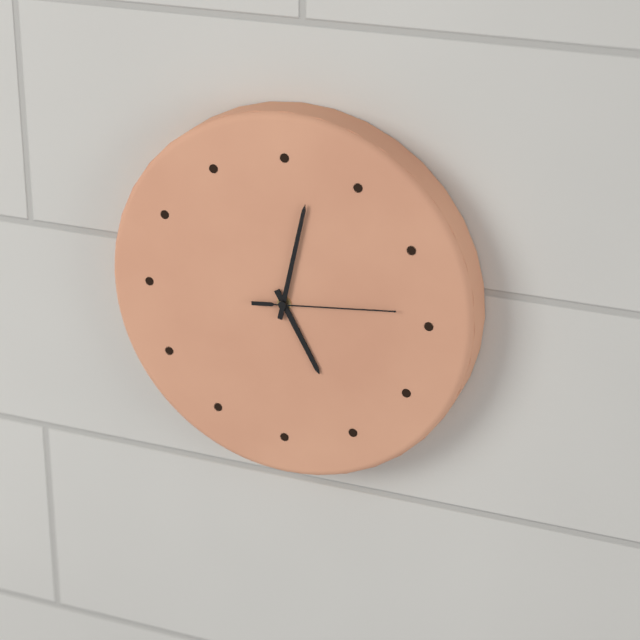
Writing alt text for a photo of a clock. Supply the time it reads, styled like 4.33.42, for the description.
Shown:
5.02.14
